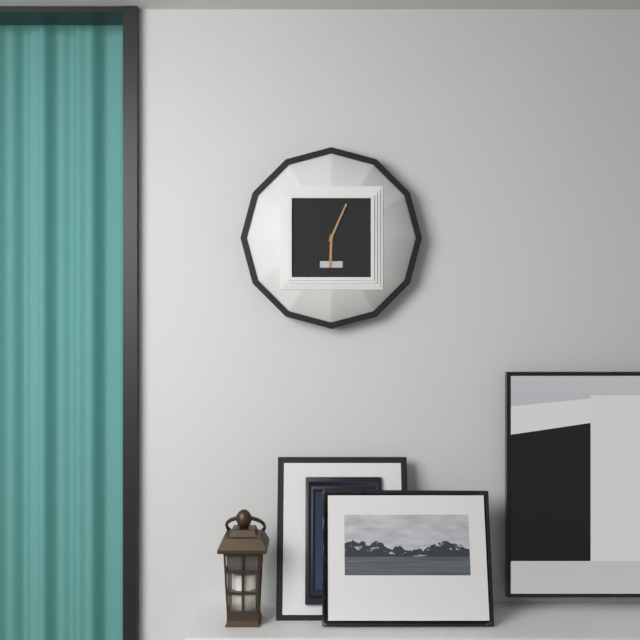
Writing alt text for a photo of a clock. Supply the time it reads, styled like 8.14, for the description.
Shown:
6.04
